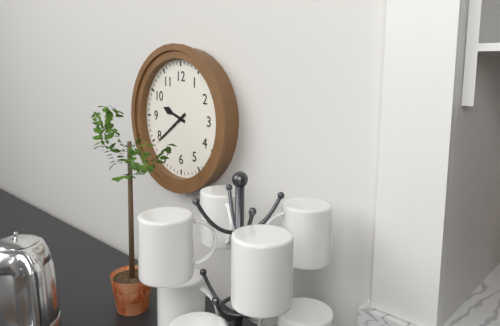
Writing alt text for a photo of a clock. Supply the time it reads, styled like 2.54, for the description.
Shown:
9.39
